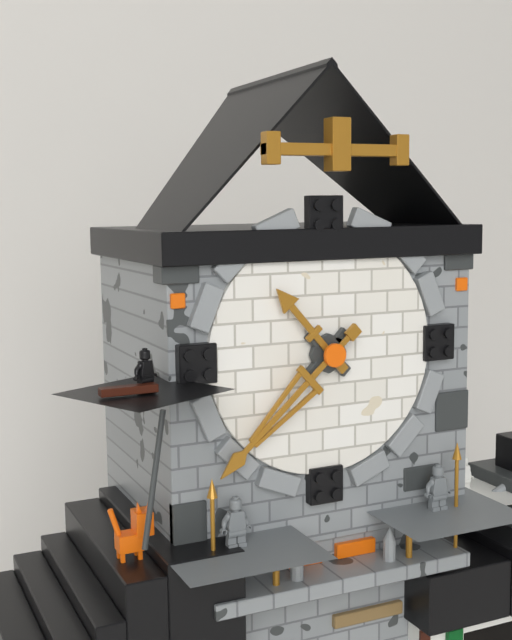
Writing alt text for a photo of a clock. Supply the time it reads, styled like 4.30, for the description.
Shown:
10.38
